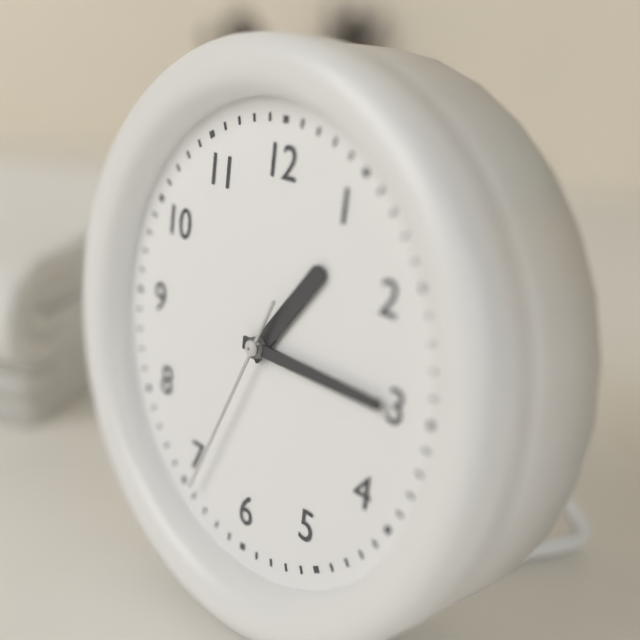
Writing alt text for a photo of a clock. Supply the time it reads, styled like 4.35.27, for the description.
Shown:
1.15.34
